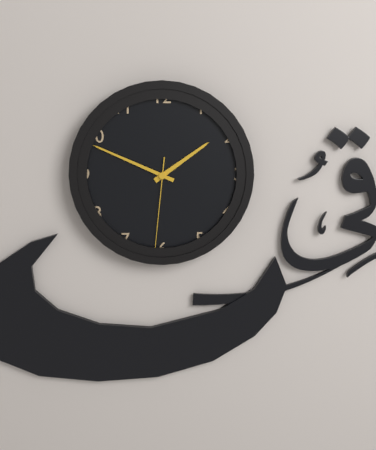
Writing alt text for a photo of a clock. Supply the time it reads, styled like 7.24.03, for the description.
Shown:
1.49.31
